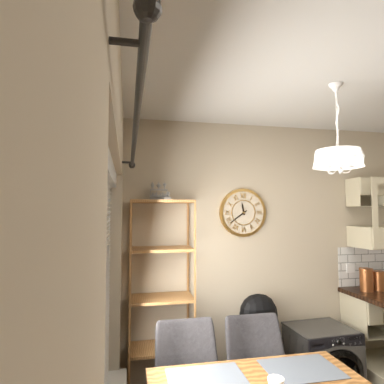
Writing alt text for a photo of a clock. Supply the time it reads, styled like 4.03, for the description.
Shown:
11.39
